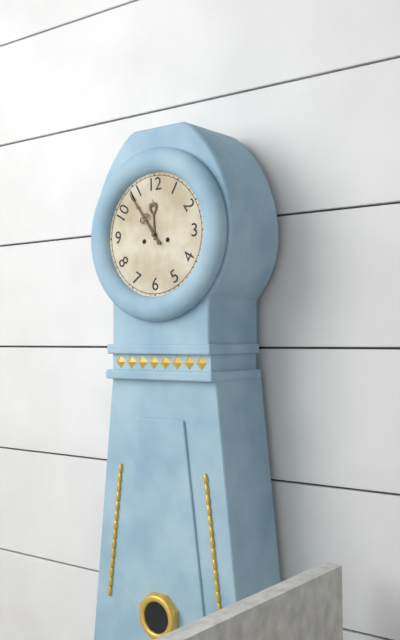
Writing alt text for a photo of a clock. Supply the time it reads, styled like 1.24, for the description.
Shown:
11.54
